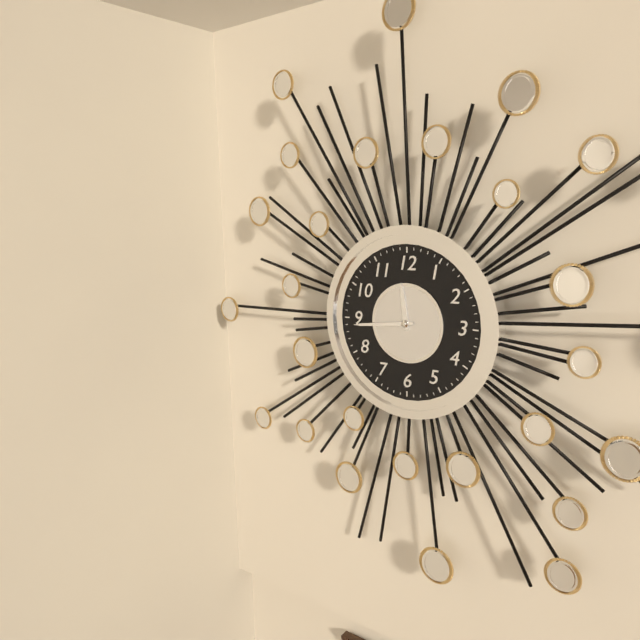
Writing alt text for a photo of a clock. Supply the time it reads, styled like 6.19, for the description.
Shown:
11.44
